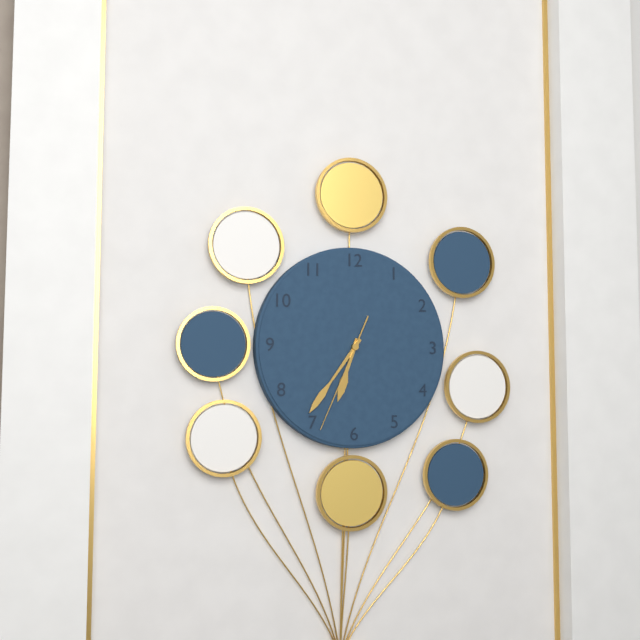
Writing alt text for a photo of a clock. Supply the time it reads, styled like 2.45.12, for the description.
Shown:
6.36.34
